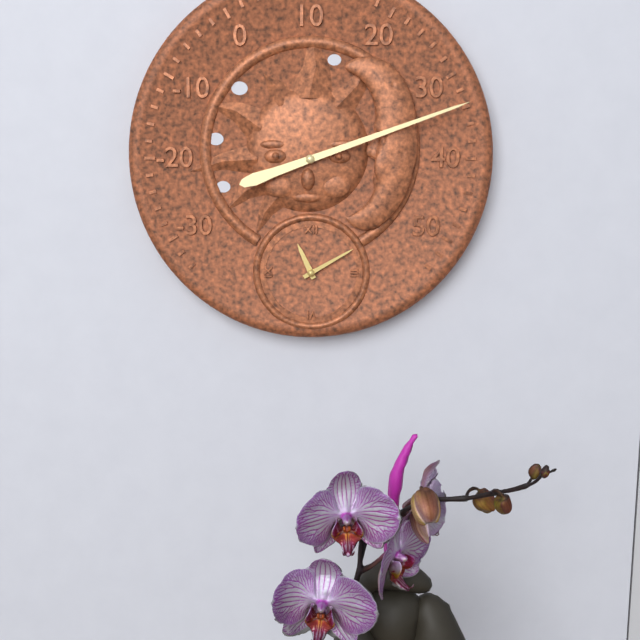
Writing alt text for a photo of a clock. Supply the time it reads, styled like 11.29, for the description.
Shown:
11.10
